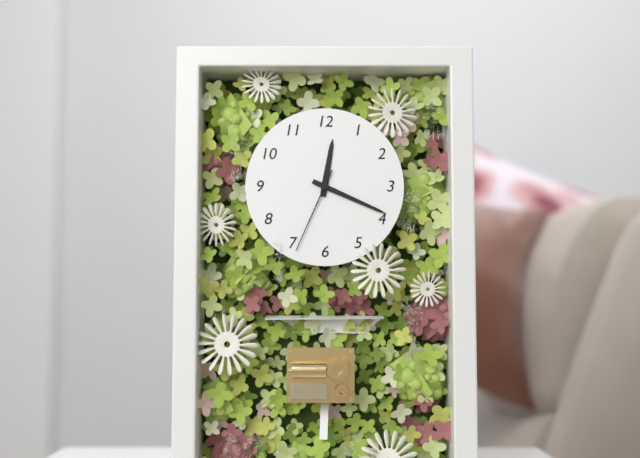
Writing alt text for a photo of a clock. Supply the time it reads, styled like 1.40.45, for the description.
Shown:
12.19.34
